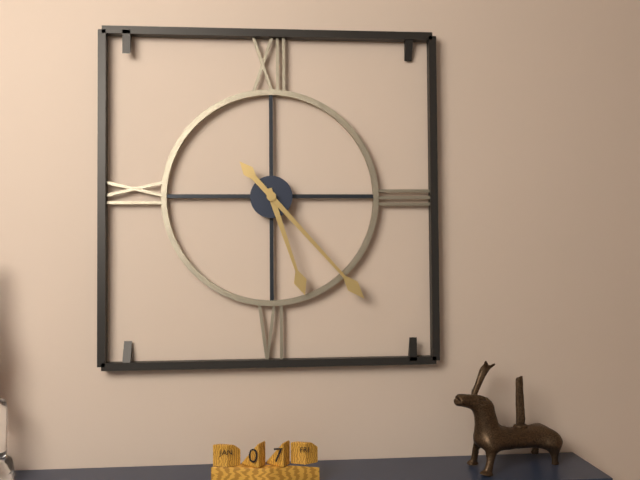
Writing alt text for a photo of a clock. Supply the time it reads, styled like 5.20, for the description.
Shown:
5.23
